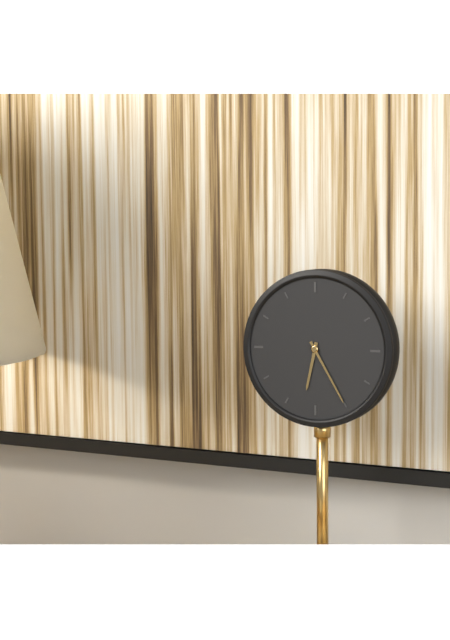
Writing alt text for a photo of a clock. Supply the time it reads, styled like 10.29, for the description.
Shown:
6.25
